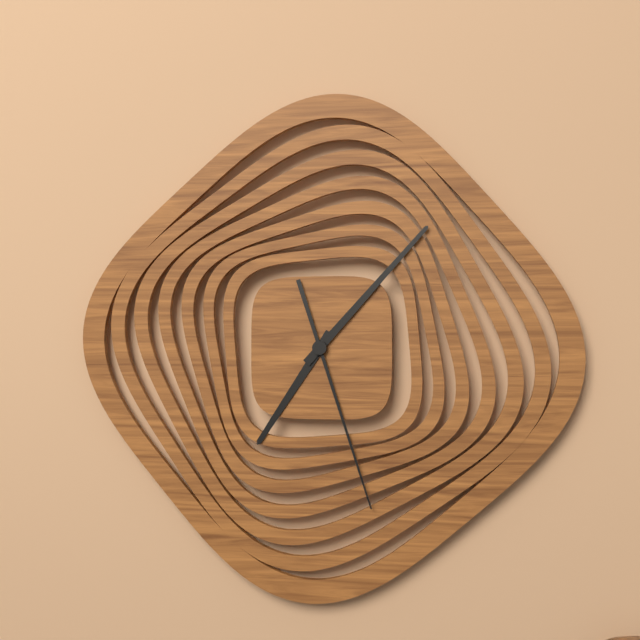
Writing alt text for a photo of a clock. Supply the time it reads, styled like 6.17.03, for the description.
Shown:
7.07.27
